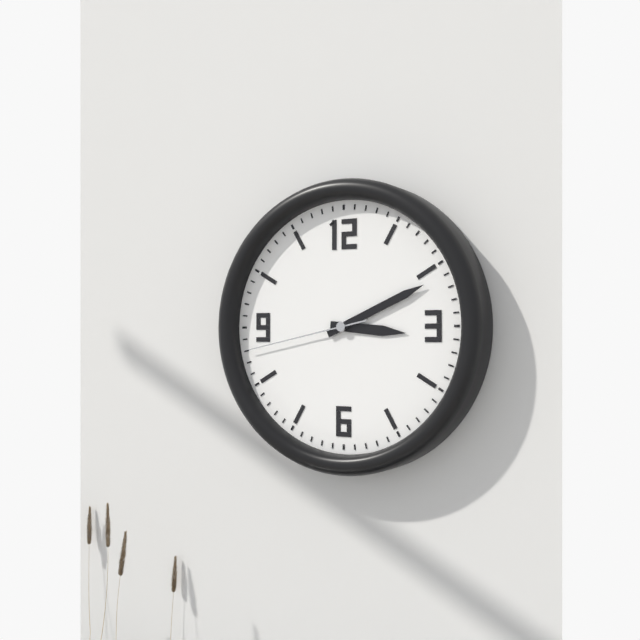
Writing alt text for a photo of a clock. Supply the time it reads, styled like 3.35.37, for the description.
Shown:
3.11.43
